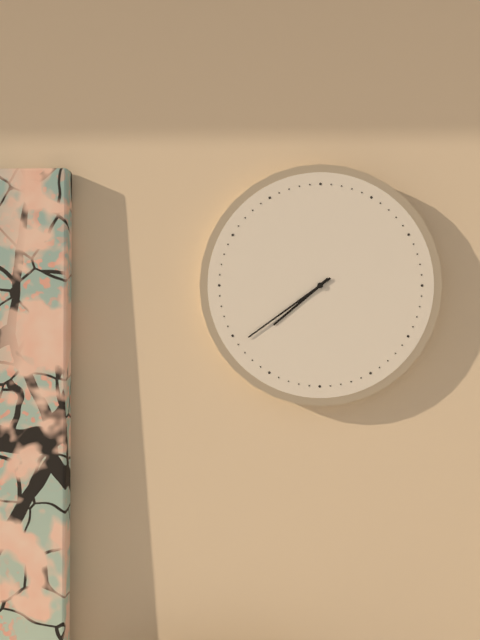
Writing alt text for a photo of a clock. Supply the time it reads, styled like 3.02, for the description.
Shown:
7.39
